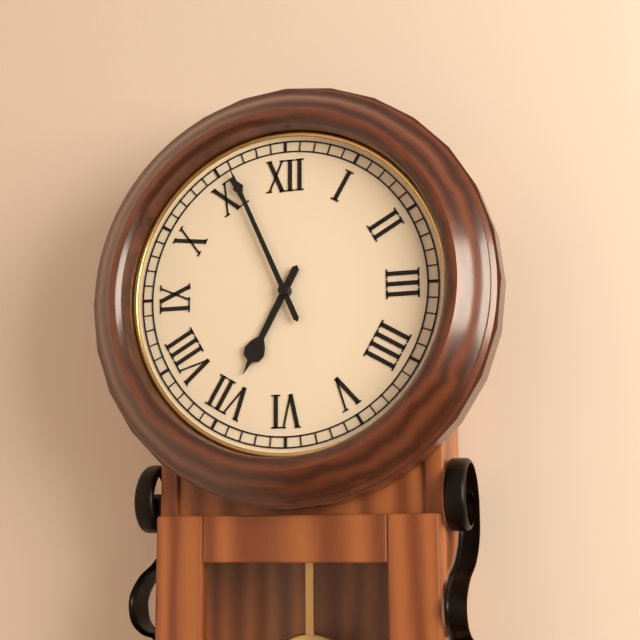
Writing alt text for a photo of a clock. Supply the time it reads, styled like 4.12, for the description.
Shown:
6.56
